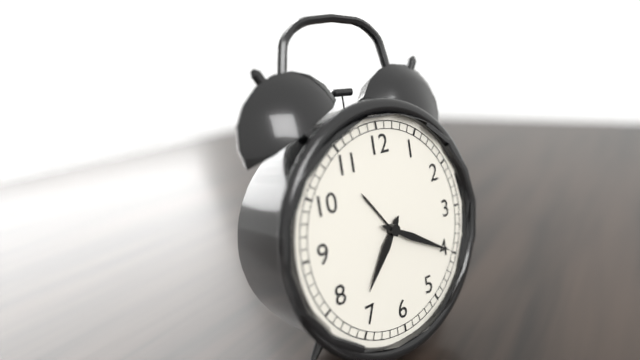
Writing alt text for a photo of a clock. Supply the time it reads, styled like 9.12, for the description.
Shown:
7.20
